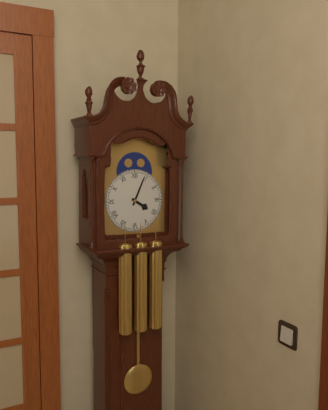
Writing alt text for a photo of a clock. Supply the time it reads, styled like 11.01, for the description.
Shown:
4.04
